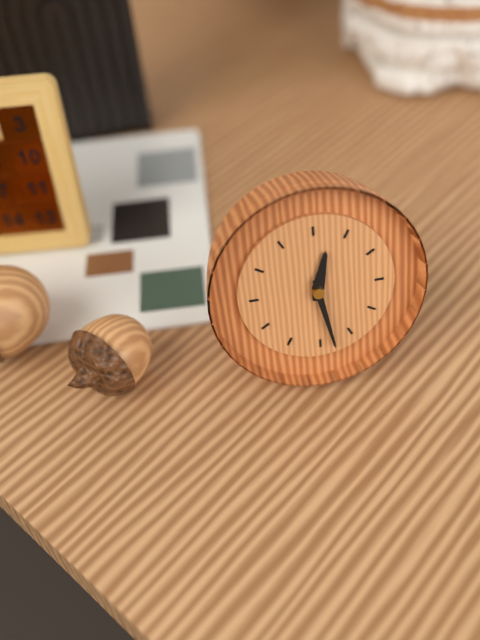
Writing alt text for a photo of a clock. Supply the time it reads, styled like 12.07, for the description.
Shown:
12.28
